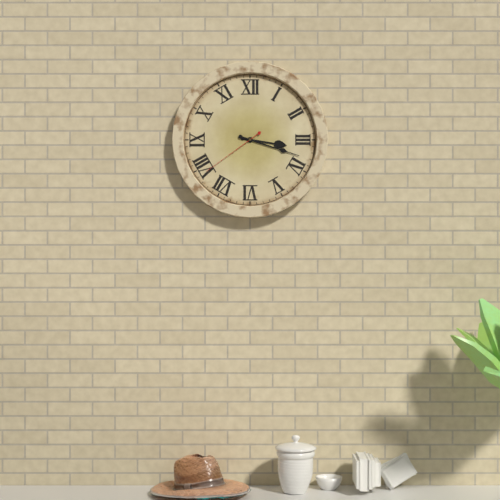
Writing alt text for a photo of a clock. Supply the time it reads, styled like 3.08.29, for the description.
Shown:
3.18.39
